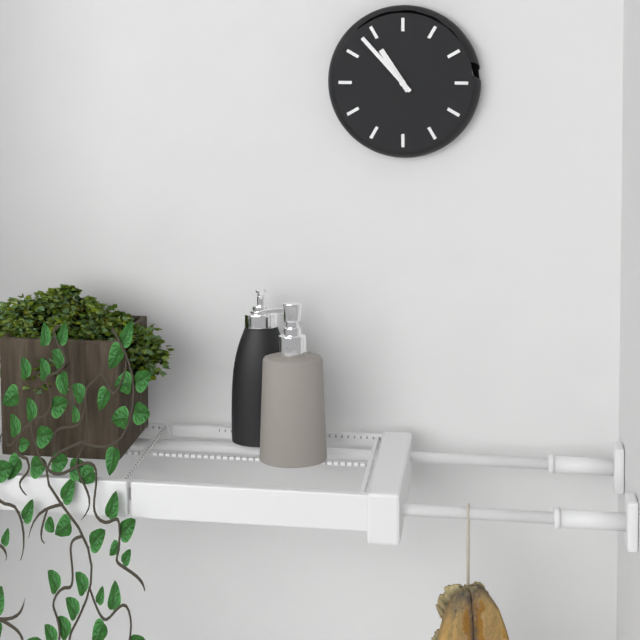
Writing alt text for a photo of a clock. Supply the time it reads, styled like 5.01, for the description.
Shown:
10.53
